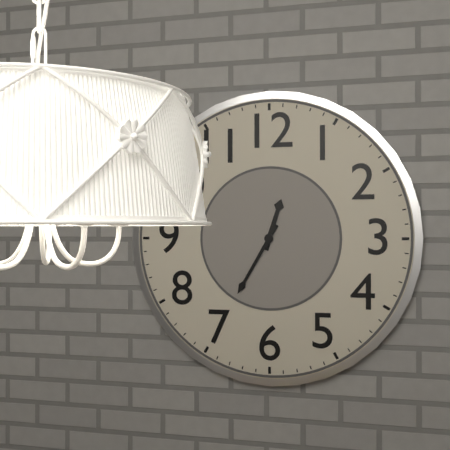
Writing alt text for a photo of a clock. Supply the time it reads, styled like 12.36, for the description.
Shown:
12.35
